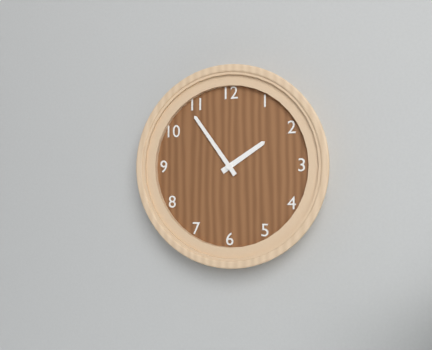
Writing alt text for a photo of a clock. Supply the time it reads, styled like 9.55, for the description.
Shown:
1.54
